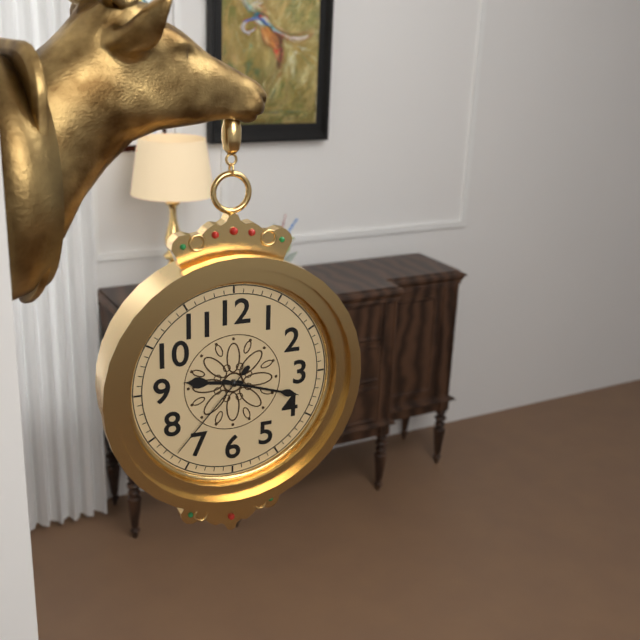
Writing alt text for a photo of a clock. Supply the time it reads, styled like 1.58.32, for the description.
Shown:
9.18.37
